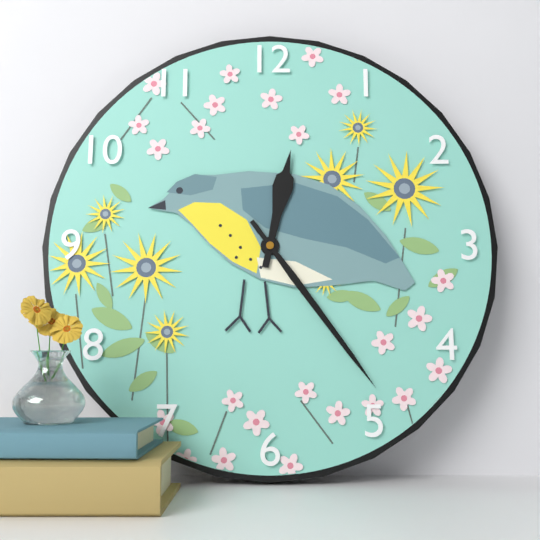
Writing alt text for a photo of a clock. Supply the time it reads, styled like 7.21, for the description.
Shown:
12.24
